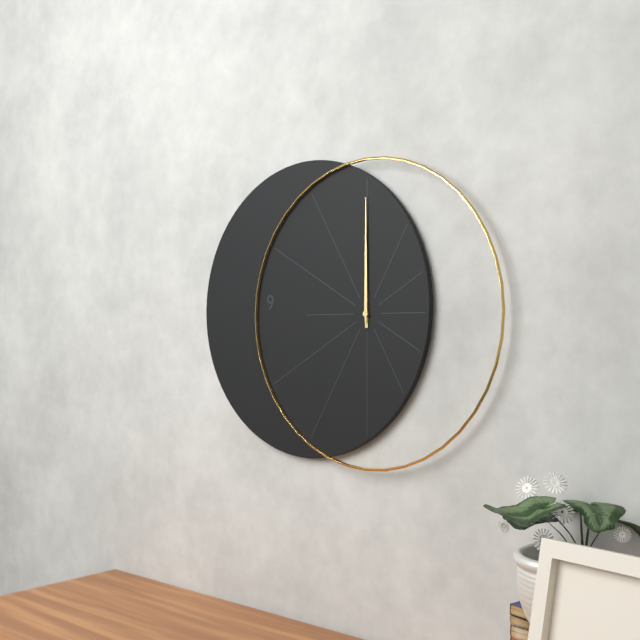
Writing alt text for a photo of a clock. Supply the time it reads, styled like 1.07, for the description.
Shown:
12.00
